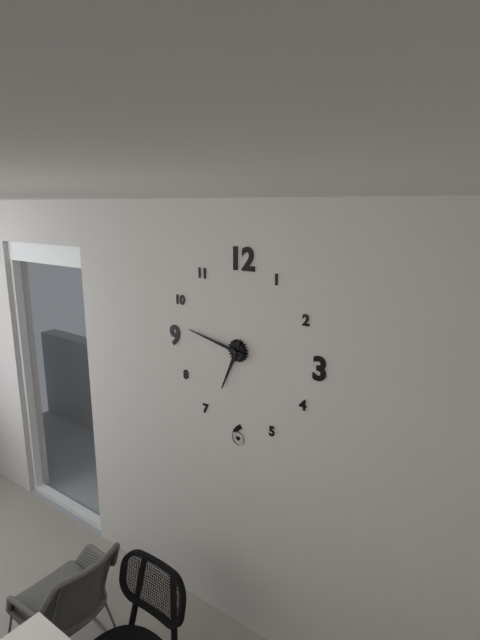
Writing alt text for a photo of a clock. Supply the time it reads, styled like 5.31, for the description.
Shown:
6.47
